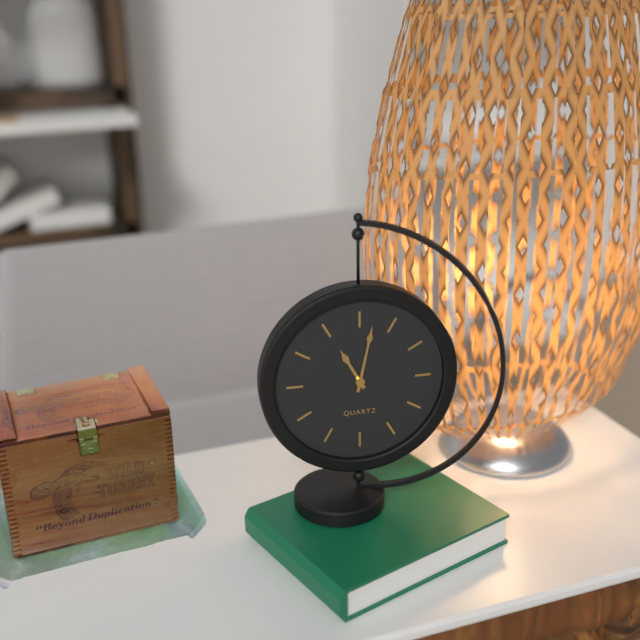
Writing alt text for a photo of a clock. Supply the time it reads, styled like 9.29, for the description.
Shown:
11.02
